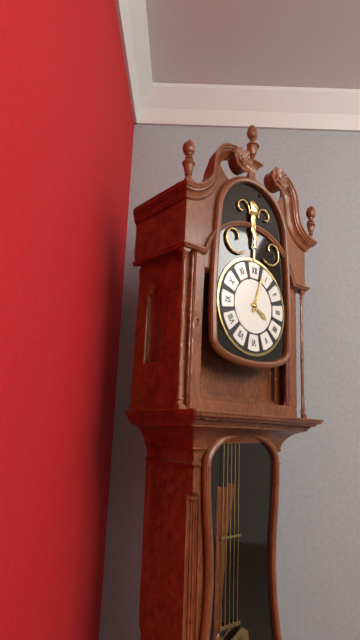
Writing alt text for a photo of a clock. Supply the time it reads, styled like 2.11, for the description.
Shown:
4.03
